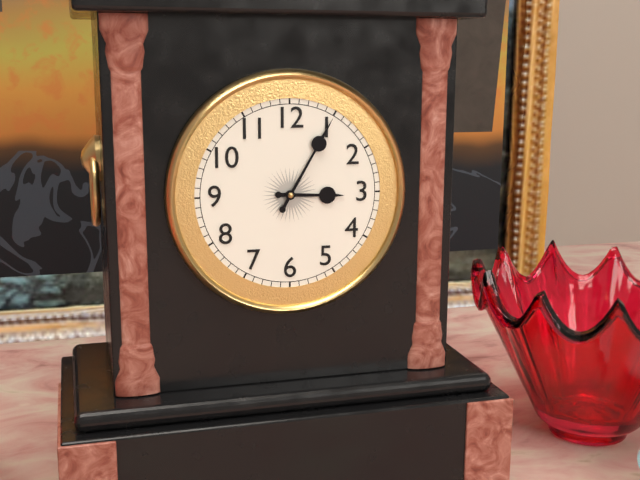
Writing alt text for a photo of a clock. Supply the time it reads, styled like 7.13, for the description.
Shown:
3.05
